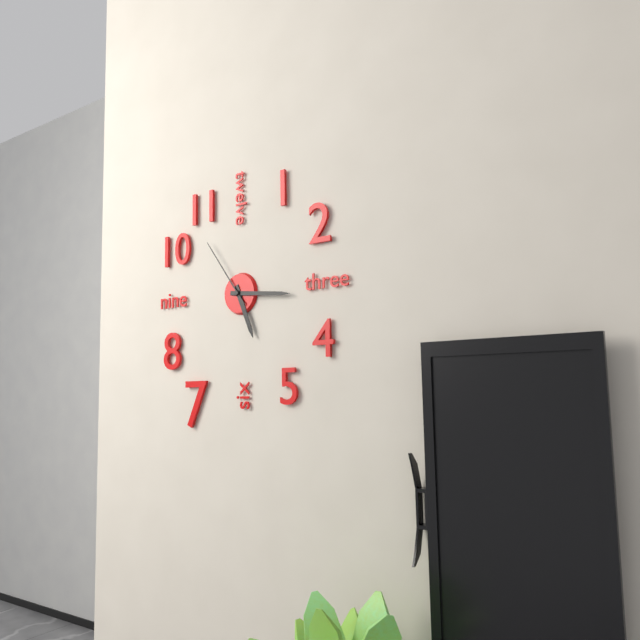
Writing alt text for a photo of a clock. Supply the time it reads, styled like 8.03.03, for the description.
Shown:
5.16.54
